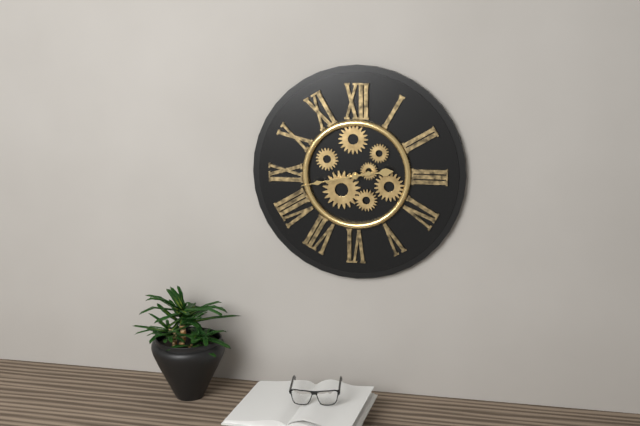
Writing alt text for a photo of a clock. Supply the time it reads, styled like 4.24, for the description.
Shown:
2.43
